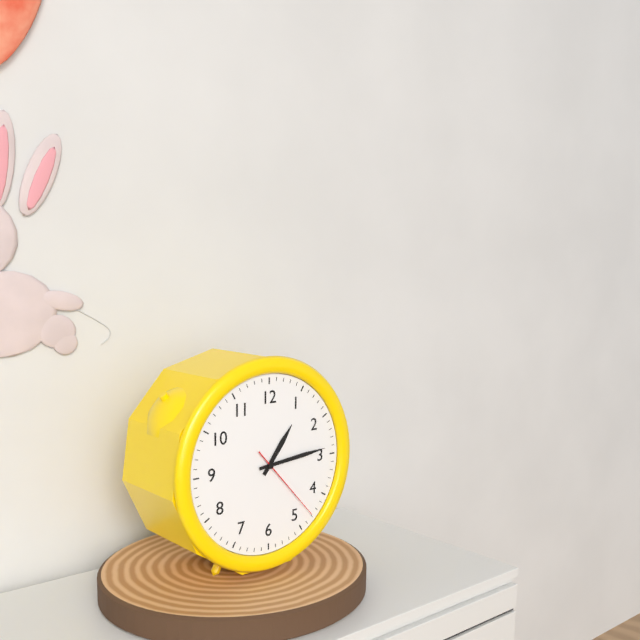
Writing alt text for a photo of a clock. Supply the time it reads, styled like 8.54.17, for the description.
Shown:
1.14.23
